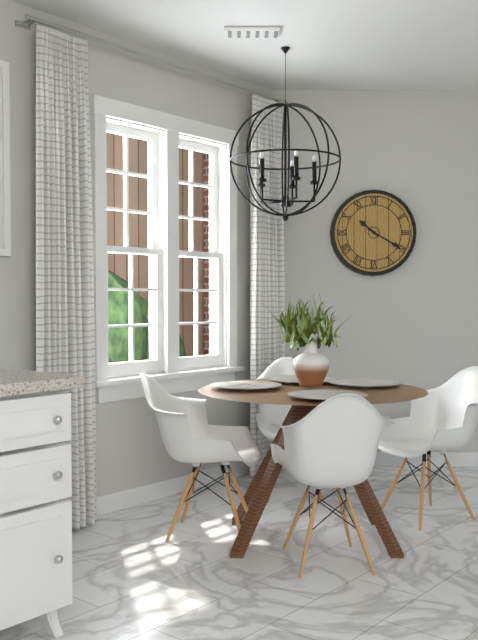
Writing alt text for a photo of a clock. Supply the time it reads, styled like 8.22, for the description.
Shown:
10.20
